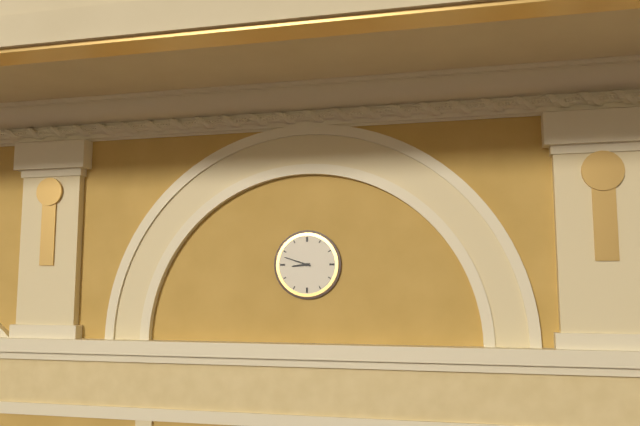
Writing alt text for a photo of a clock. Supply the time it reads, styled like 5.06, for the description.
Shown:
8.48
